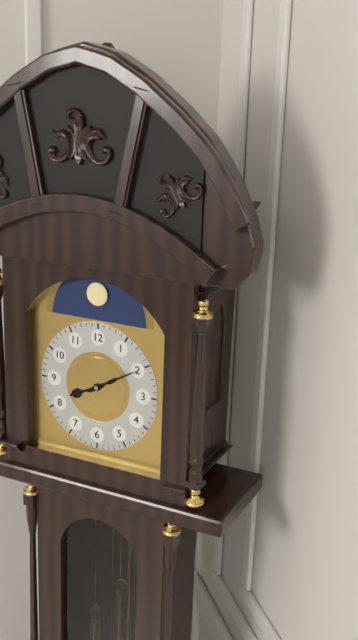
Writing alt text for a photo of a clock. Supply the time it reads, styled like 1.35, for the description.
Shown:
8.10
